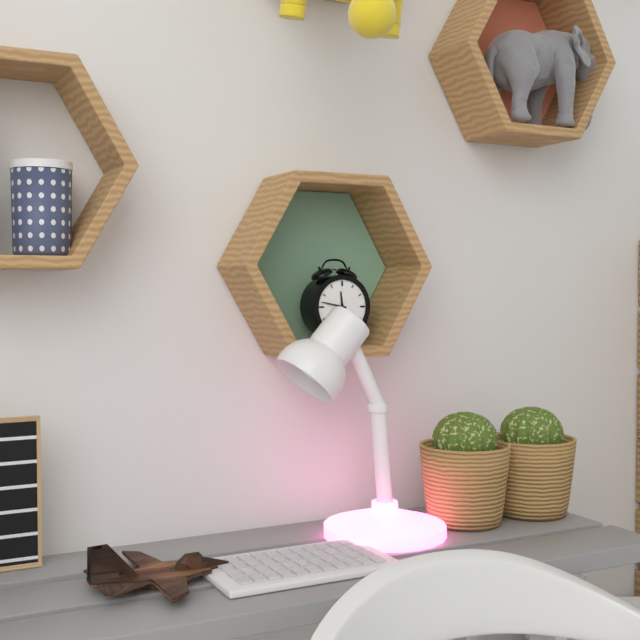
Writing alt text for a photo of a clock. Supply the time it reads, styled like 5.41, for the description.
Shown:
11.47
